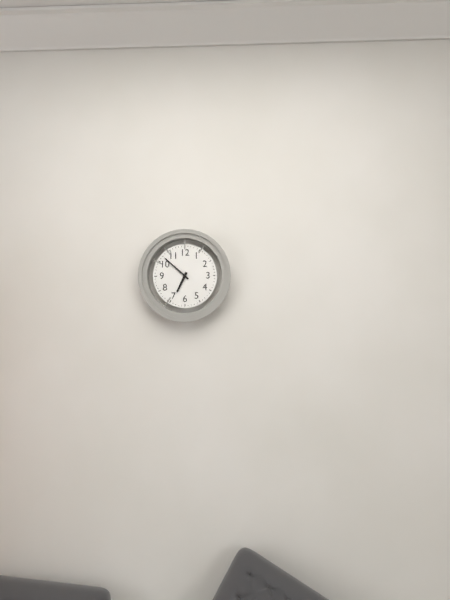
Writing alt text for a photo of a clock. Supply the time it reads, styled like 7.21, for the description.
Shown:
6.52
